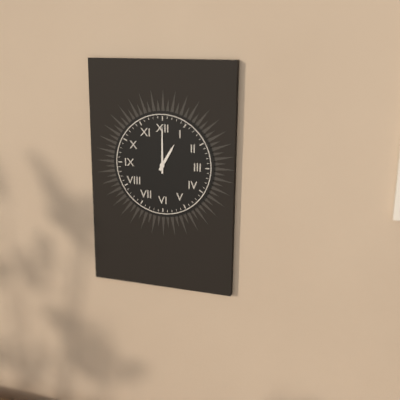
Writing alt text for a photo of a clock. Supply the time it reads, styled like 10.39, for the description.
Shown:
1.00
